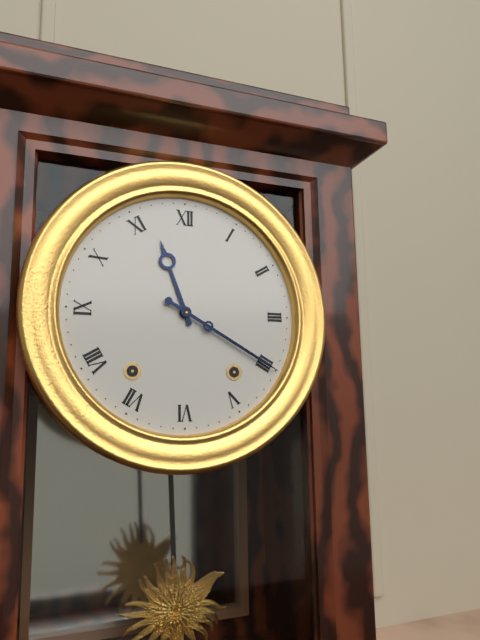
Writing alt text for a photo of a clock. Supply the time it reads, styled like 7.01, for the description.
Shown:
11.20
